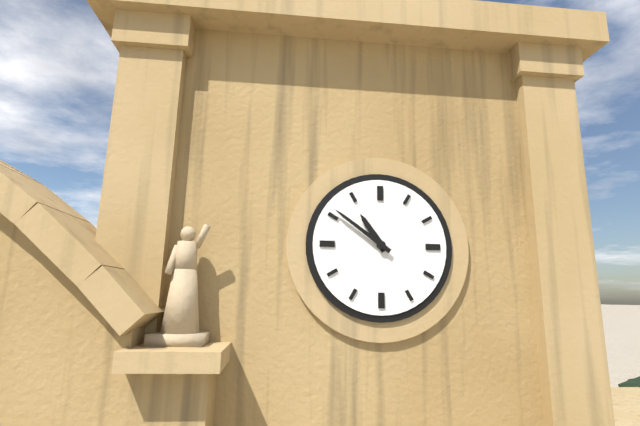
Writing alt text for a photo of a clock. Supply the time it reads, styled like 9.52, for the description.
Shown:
10.51
